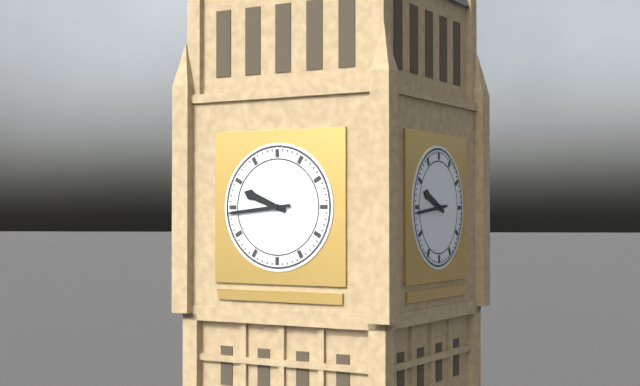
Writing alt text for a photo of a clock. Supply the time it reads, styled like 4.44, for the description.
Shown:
9.44
